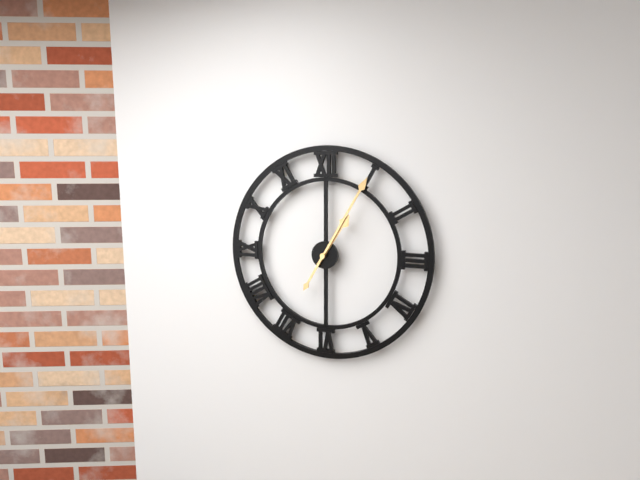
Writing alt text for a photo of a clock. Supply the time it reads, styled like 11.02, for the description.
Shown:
1.05
